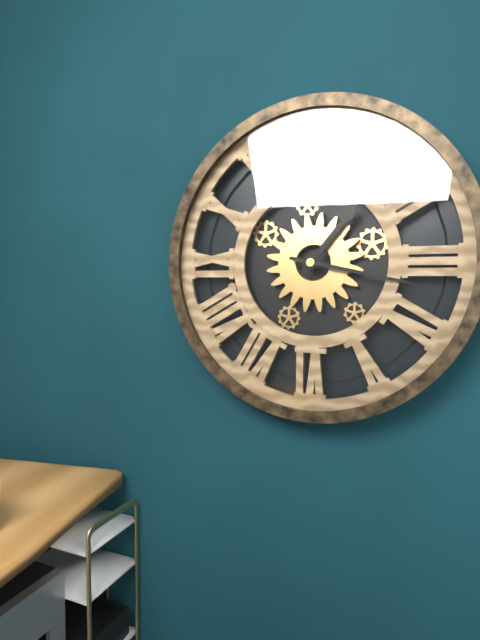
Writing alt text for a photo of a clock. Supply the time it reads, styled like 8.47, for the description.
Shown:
1.17
